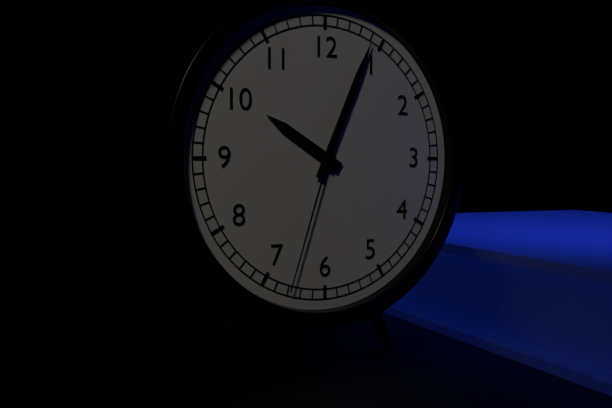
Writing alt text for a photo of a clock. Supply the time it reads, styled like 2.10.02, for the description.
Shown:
10.04.33
